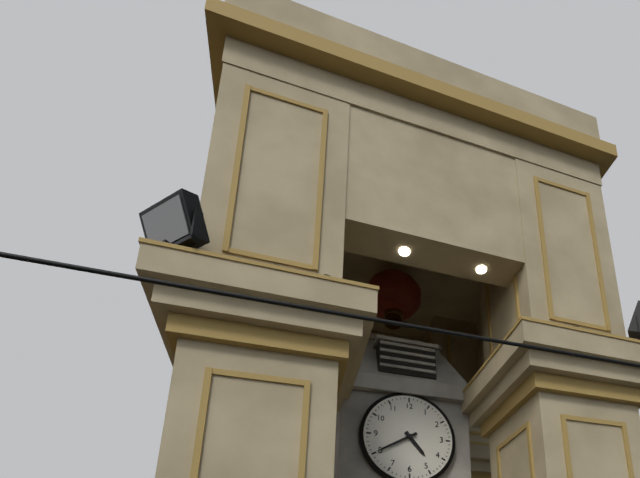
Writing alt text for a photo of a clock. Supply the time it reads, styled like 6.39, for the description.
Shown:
4.40
